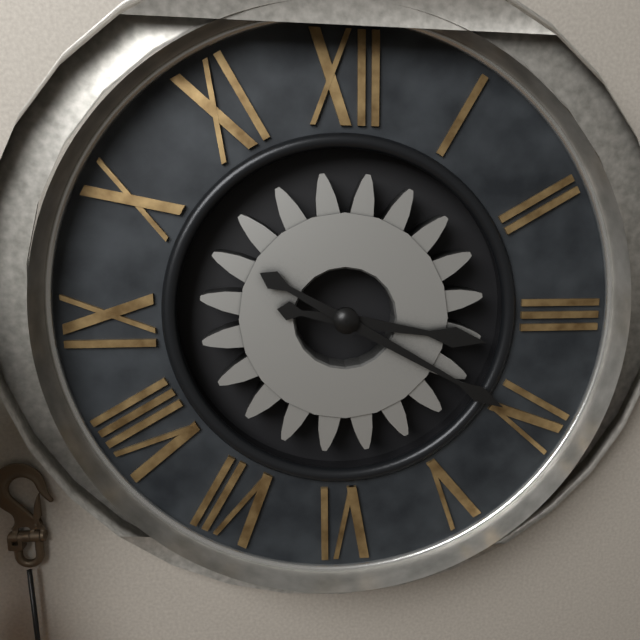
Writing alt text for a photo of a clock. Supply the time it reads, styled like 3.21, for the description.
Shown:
3.20
